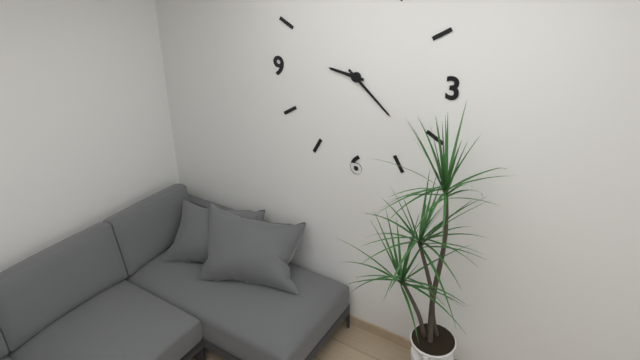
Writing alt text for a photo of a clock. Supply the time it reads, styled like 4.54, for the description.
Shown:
9.22
